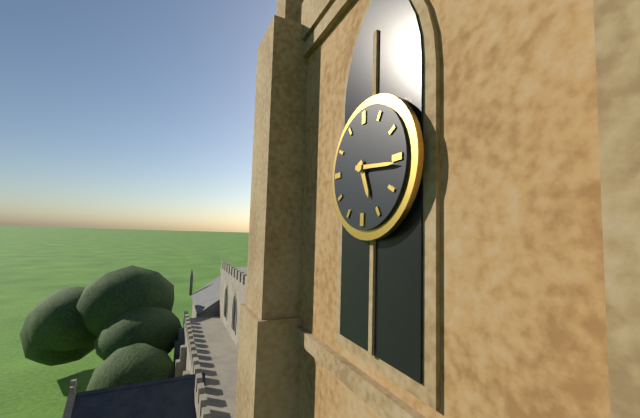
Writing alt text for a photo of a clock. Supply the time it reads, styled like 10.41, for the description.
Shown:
5.16
